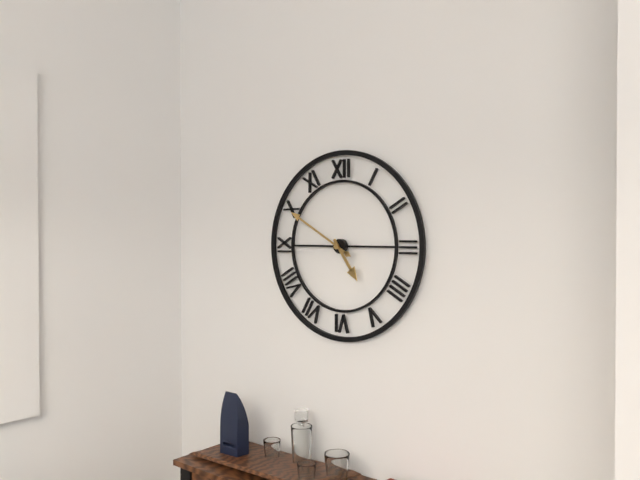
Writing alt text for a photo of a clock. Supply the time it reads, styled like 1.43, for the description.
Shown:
4.50
